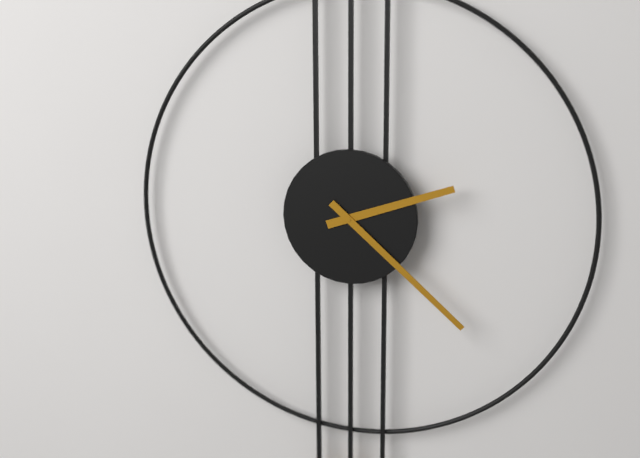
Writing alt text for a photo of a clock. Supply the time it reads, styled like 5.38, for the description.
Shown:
2.22
